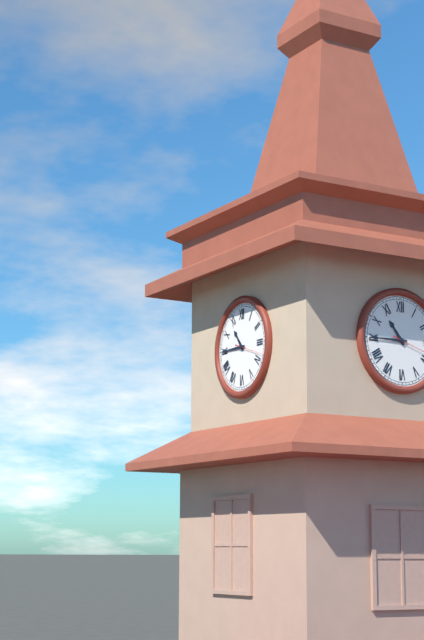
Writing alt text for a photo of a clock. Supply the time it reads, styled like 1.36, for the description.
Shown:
10.45
